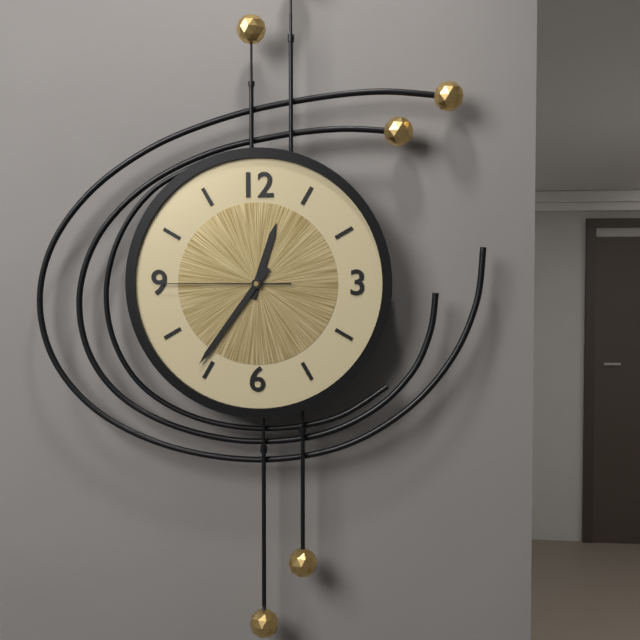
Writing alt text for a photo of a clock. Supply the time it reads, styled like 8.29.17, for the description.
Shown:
12.36.45
